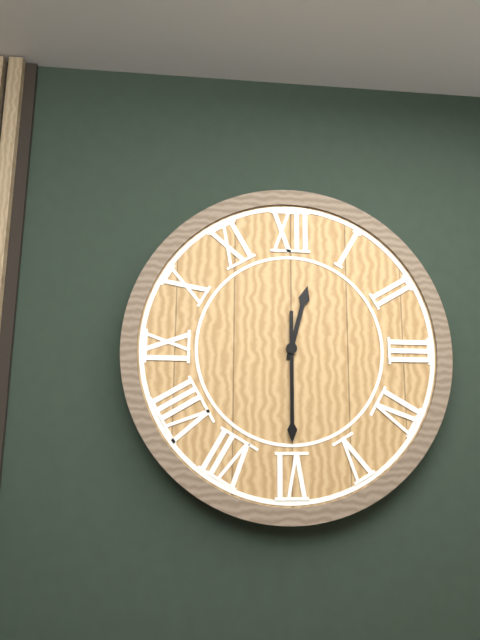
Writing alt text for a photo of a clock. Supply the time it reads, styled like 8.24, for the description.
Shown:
12.30
